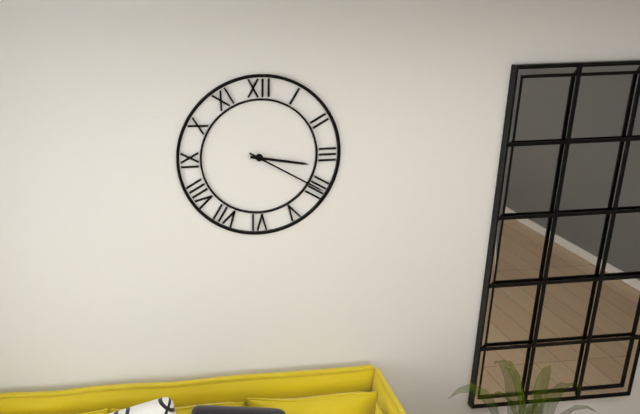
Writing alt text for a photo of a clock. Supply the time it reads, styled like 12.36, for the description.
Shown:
3.20
